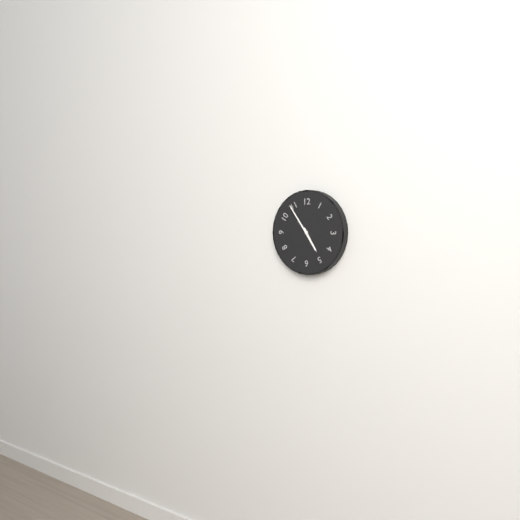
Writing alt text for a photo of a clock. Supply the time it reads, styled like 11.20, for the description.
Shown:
4.54
